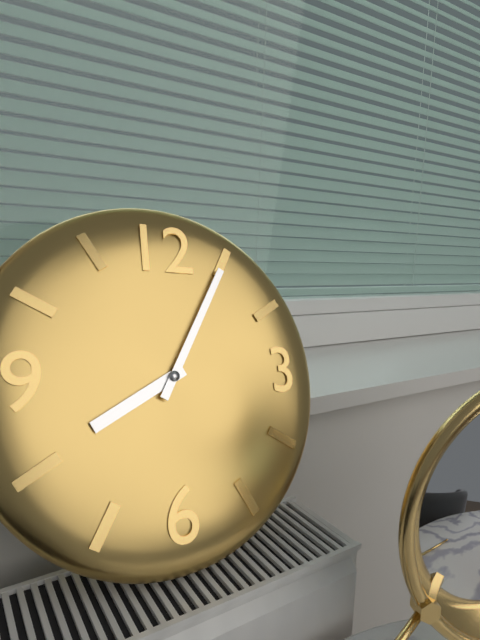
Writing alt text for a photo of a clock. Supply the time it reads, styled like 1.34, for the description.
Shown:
8.05
